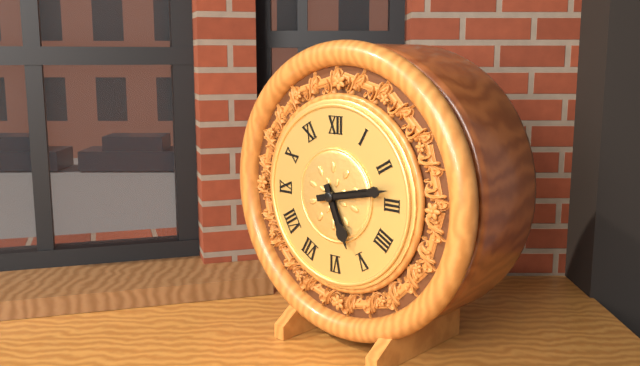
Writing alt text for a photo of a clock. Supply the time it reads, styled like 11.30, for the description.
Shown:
5.13
